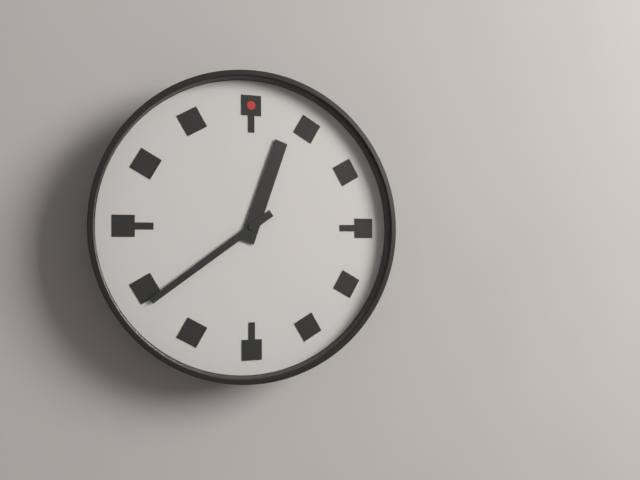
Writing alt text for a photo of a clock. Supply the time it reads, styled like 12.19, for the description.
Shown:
12.39
